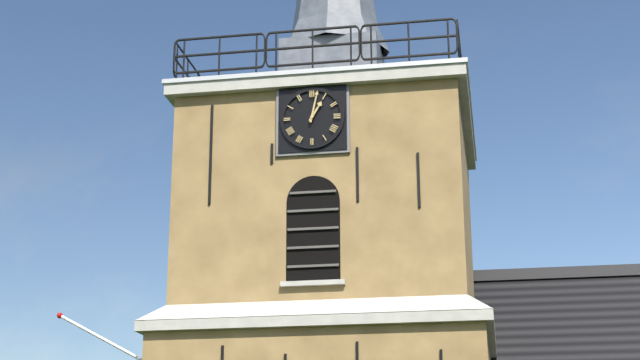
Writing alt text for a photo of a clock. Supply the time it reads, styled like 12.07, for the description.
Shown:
1.02
